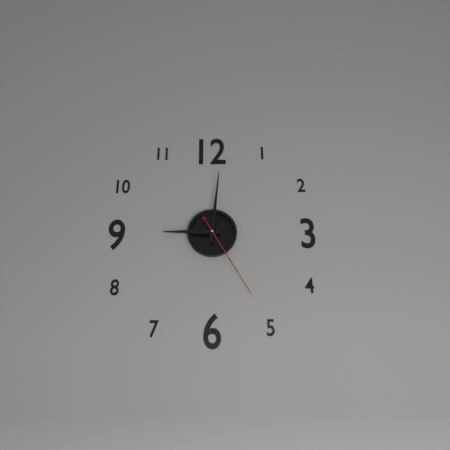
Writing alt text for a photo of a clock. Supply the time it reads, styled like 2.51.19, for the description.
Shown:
9.01.25
